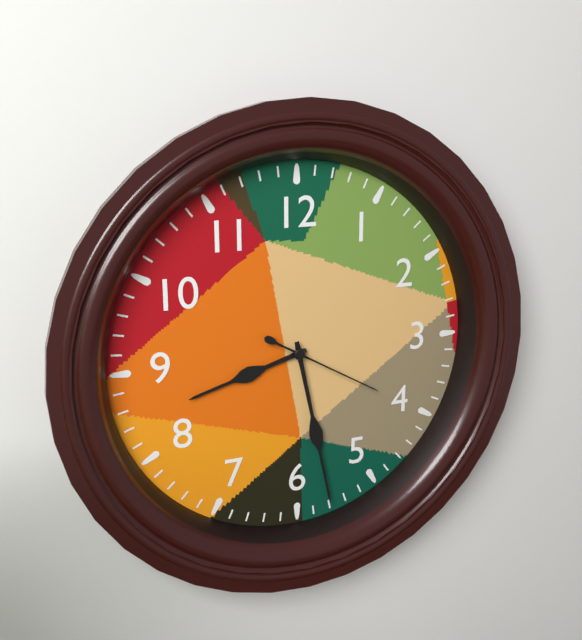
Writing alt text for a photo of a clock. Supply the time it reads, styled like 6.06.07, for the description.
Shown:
8.28.20
